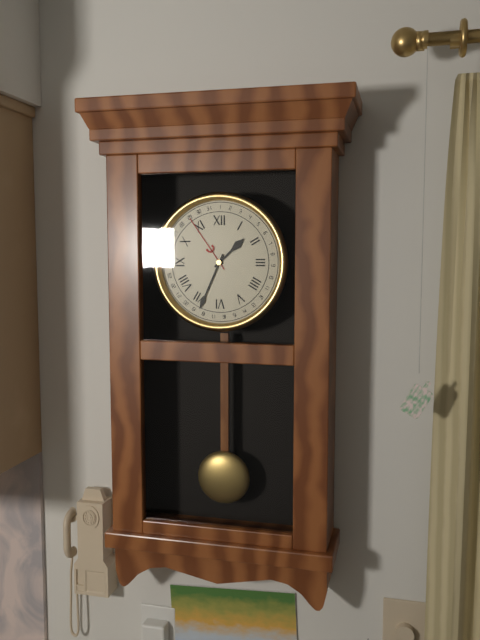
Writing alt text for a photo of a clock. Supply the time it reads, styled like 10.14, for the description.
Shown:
1.34
